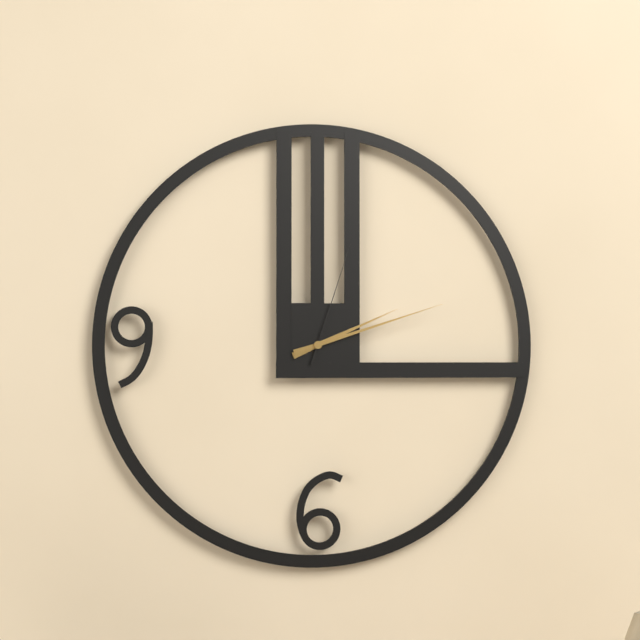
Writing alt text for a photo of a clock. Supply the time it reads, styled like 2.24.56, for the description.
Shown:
2.12.03
